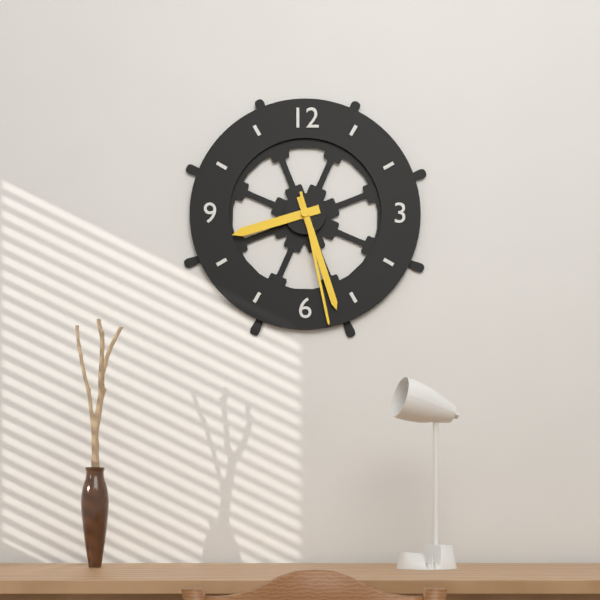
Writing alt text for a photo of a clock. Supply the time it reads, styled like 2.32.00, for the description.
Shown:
8.27.28
